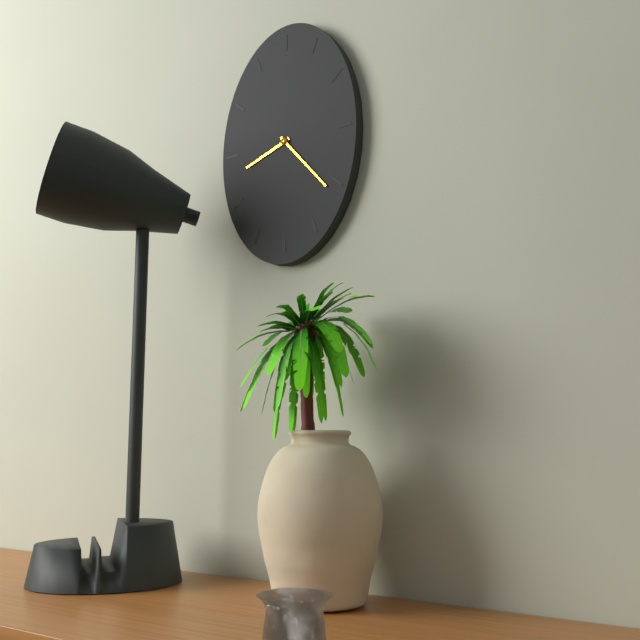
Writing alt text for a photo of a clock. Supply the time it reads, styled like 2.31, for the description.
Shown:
8.23
